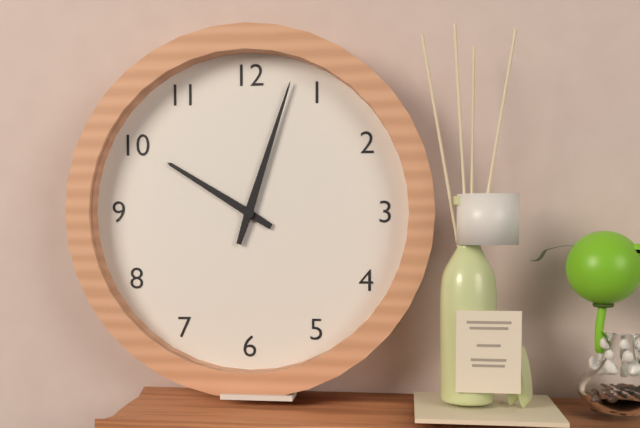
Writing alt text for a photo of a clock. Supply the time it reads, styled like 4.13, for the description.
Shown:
10.03
